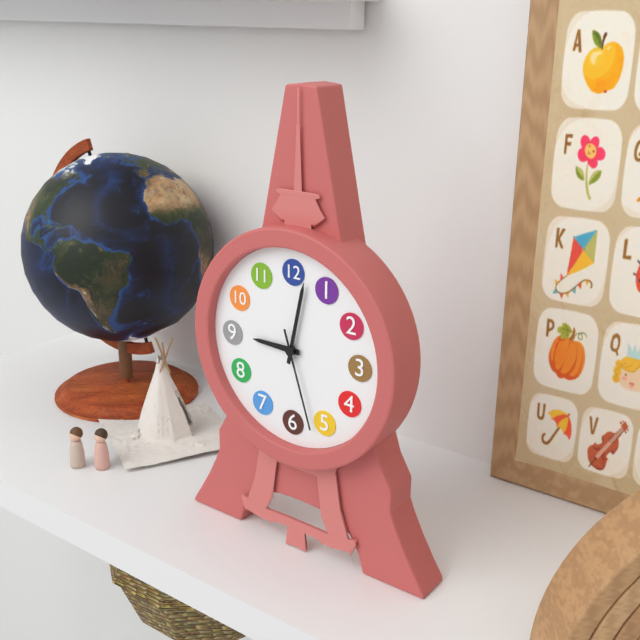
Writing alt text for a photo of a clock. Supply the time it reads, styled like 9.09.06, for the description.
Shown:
9.02.27
